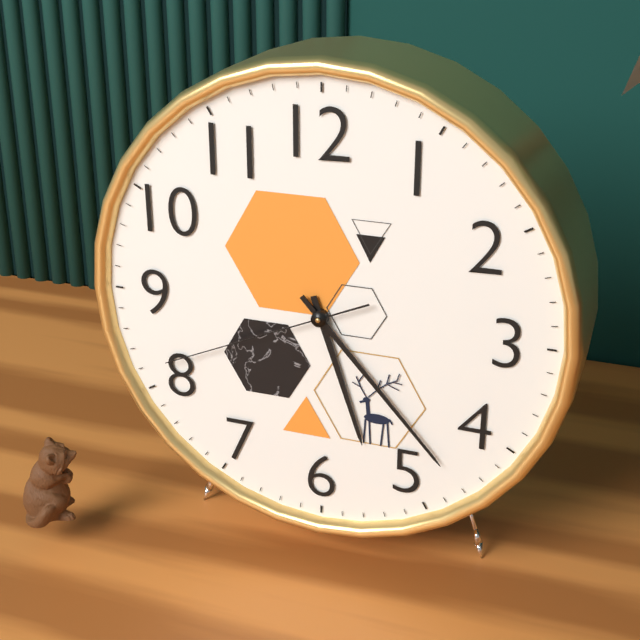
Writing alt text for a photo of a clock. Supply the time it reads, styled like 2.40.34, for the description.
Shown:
5.23.41
